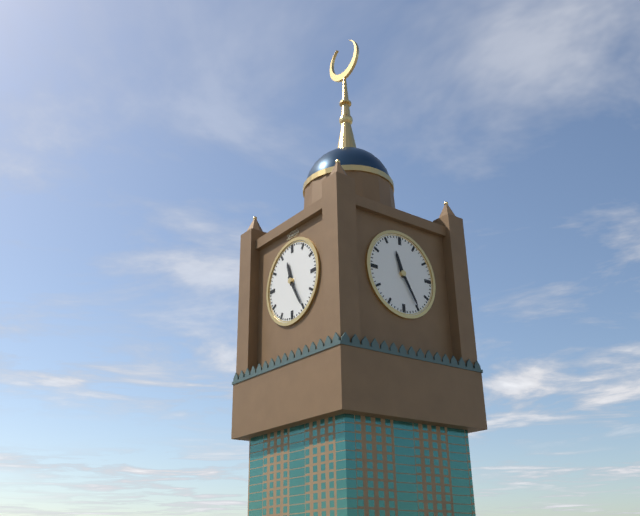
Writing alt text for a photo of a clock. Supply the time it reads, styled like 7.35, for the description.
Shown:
11.25
